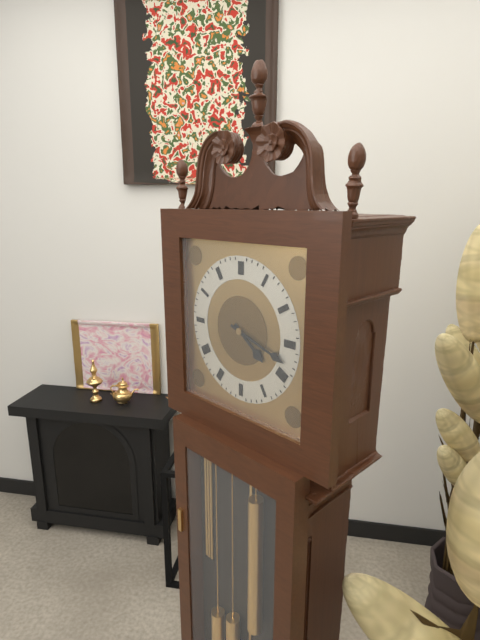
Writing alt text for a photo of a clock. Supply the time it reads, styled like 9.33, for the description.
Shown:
4.18
